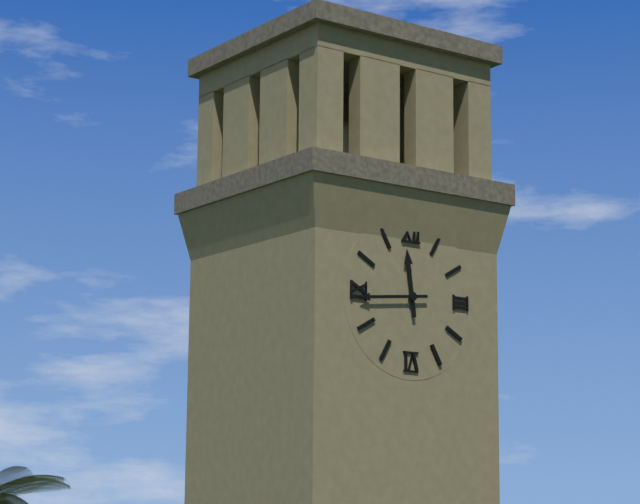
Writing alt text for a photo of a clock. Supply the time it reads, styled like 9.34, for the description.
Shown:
11.44
